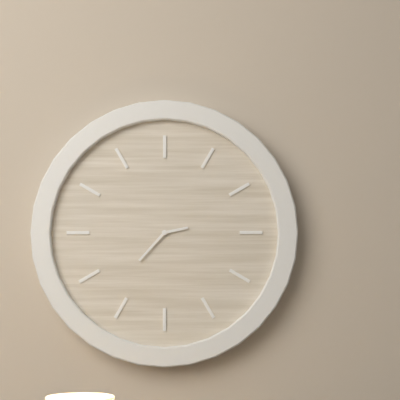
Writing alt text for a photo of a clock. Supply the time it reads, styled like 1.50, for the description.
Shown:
2.37
